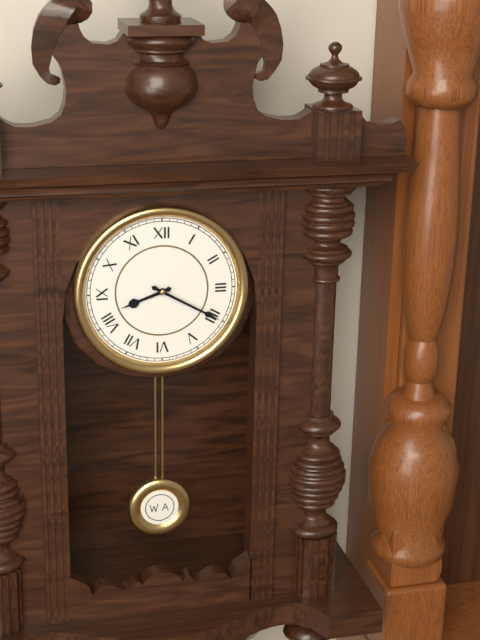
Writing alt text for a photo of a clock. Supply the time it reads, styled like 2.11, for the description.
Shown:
8.20
